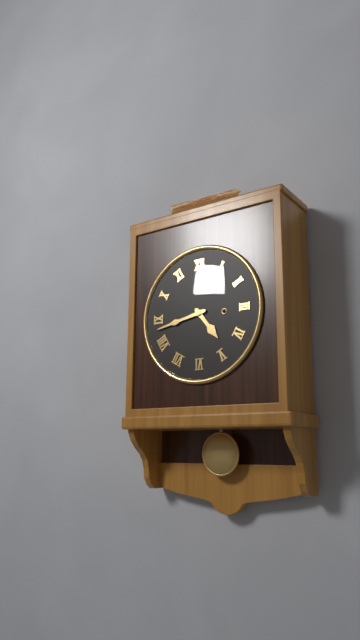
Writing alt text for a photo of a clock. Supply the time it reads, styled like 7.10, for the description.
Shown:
4.43
